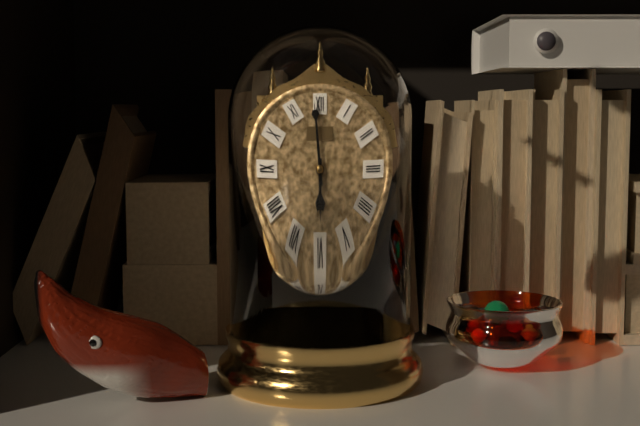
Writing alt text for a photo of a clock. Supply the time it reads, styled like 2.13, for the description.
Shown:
5.59
